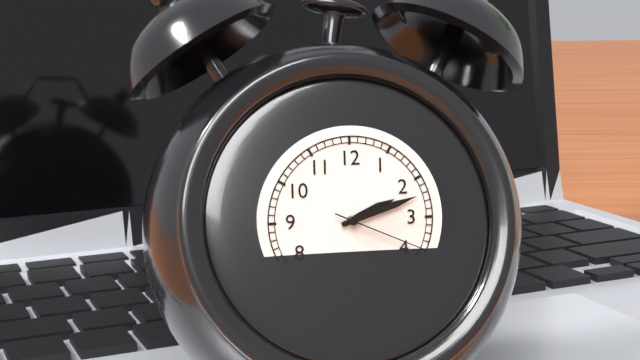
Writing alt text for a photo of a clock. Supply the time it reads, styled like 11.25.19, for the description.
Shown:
2.12.19
